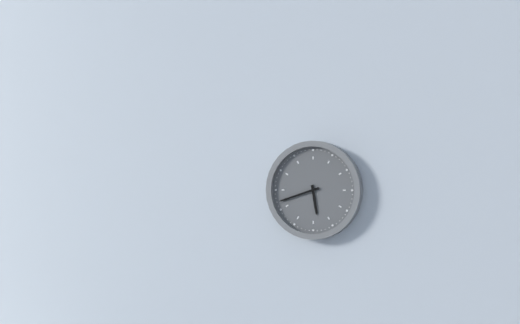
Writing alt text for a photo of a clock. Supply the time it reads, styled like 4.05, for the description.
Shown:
5.42
